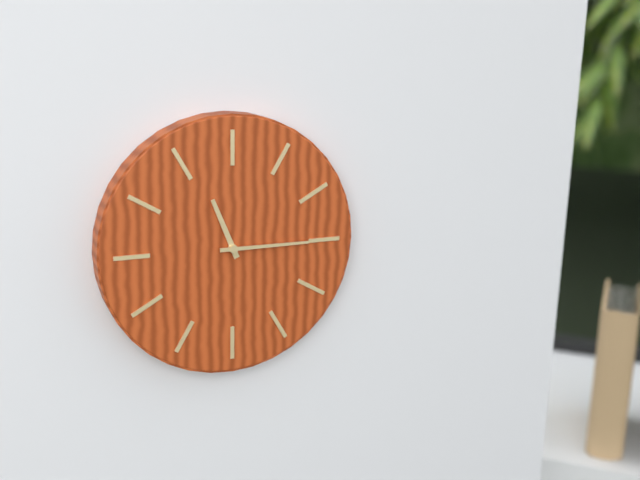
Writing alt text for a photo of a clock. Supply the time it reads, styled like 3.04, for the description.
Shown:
11.15
